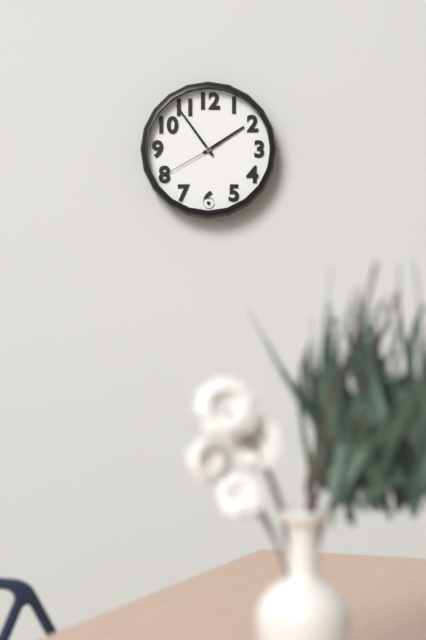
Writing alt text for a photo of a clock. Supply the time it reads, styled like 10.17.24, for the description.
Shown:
1.54.40
